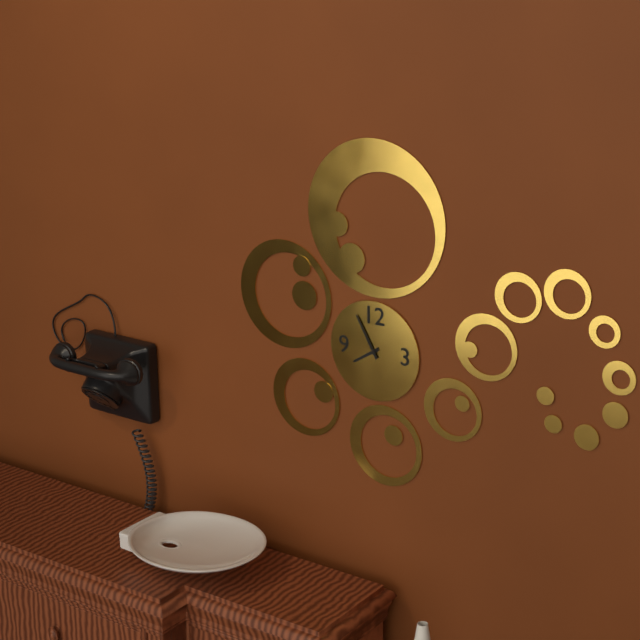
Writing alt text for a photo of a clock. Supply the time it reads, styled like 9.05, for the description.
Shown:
7.55
